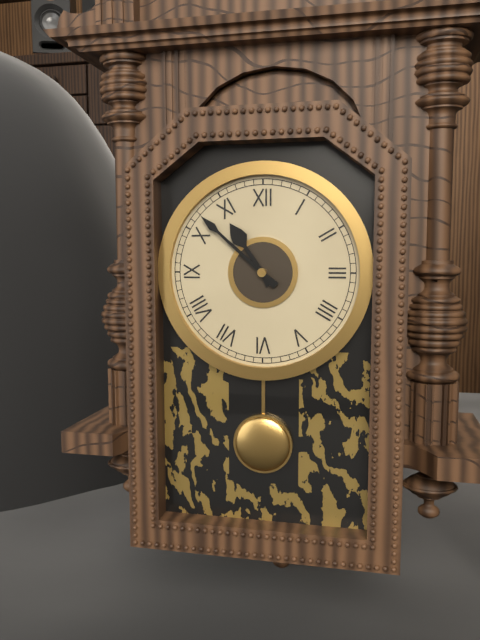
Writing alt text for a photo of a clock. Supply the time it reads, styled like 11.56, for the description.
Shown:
10.52
